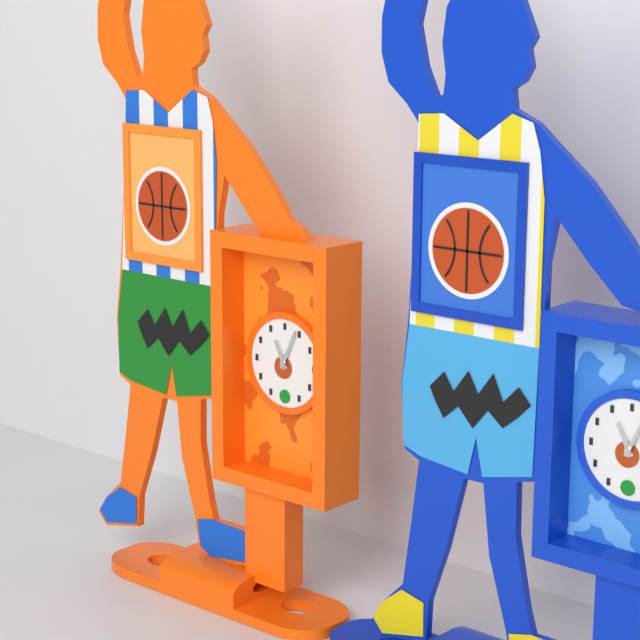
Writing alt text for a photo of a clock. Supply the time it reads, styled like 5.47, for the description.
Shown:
11.04
